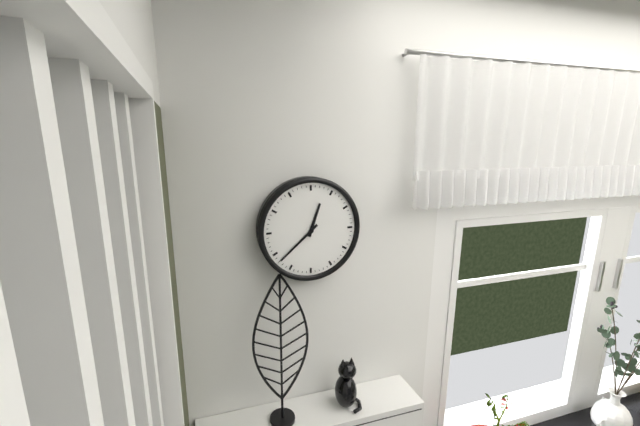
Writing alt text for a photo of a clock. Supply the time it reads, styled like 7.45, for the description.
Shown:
12.38
